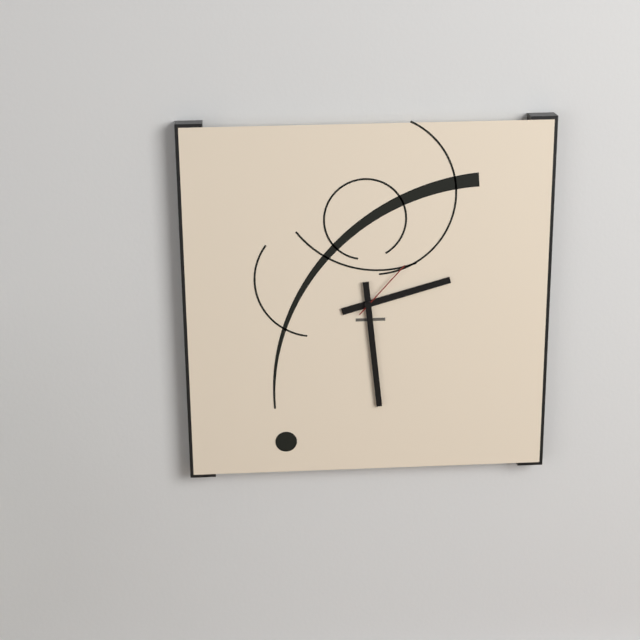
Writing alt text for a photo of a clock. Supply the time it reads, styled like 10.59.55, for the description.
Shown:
2.29.07
